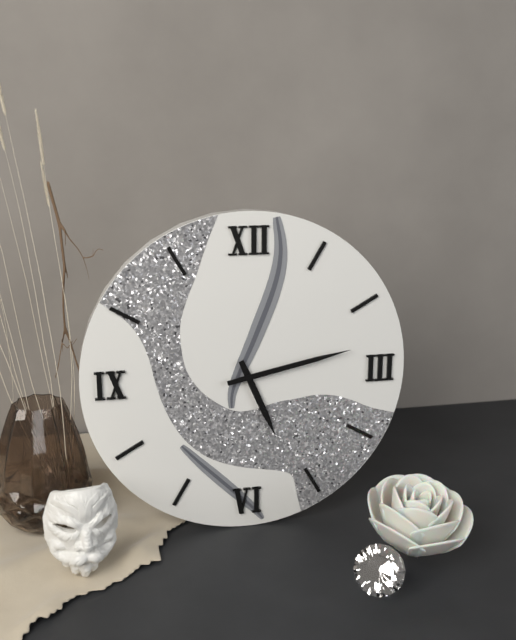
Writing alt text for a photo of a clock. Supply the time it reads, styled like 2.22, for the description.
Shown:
5.13
